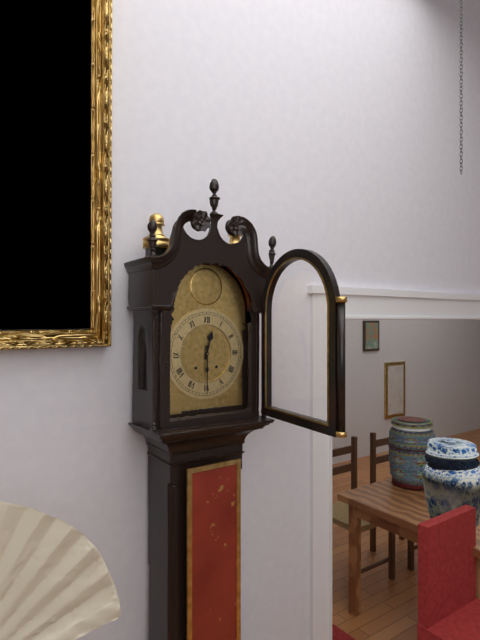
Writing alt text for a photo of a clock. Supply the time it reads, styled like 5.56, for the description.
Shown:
12.30
